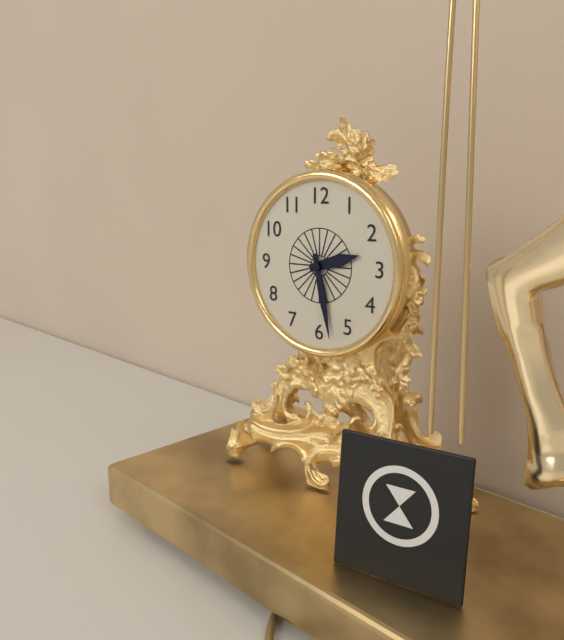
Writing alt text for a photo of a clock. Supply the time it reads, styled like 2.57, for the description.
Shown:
2.28
